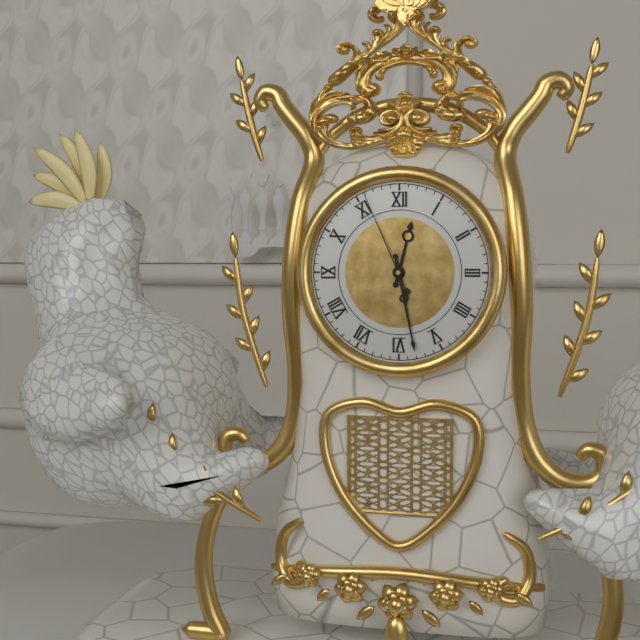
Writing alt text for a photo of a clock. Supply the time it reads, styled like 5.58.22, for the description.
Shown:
12.28.56
